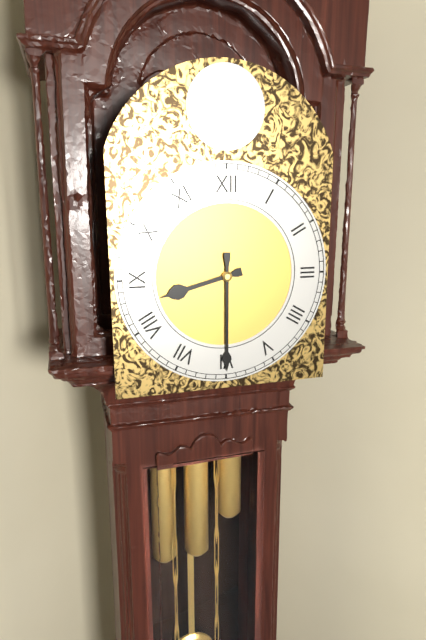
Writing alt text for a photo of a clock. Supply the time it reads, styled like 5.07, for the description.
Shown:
8.30
